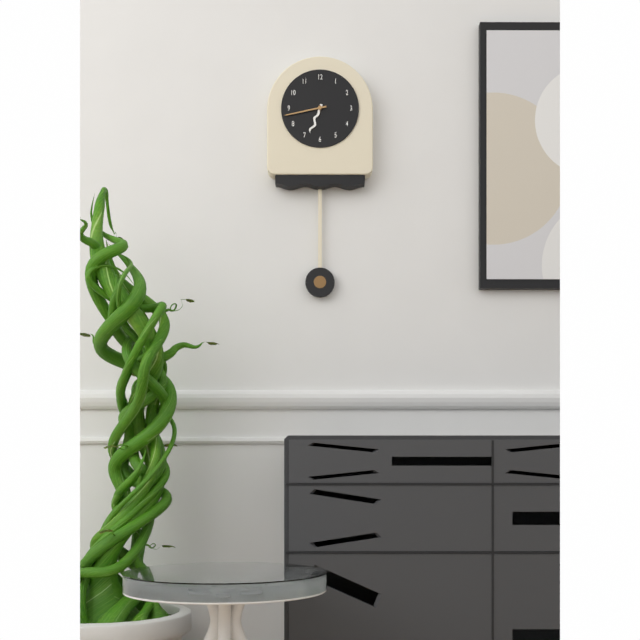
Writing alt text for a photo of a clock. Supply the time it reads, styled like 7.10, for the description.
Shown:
6.43
